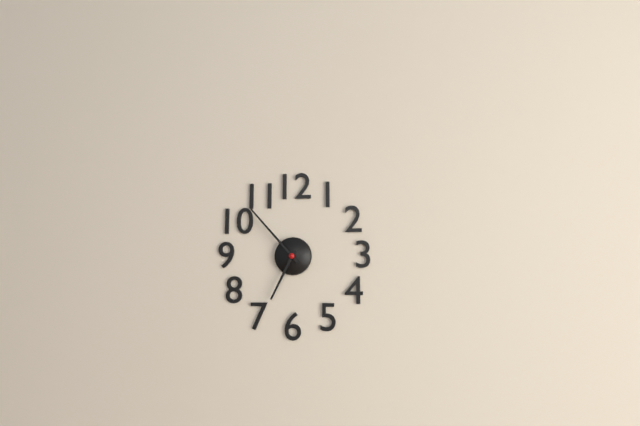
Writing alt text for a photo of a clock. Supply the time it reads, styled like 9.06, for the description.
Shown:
6.53
